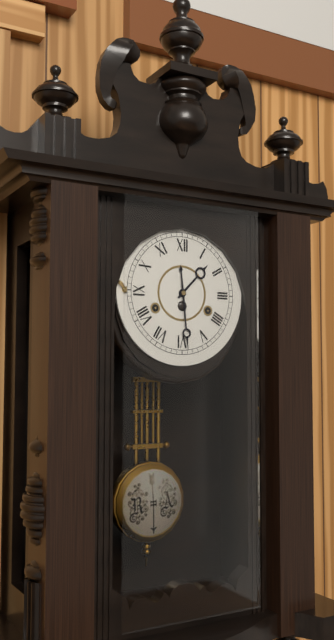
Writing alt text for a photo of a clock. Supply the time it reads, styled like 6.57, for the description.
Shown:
1.29
